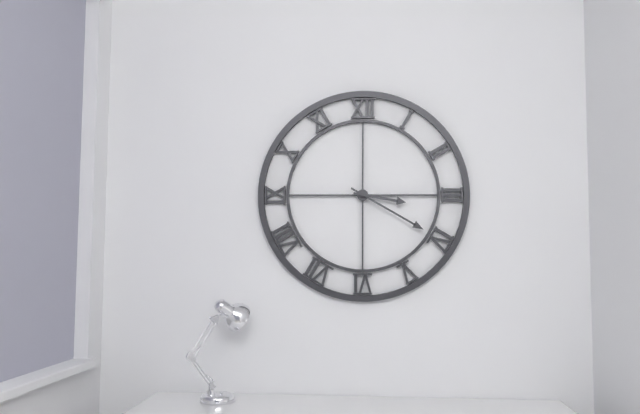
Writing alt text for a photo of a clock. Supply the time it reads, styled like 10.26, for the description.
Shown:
3.20
